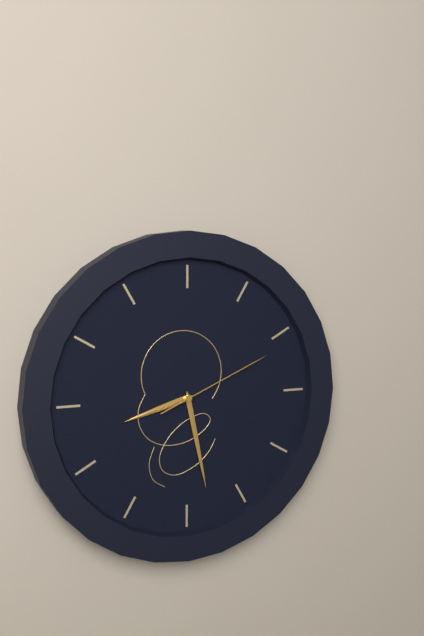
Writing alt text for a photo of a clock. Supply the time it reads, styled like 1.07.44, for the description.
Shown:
8.28.11
